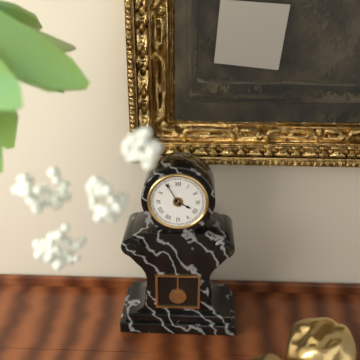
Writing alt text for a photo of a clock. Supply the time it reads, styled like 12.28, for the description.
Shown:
3.55
